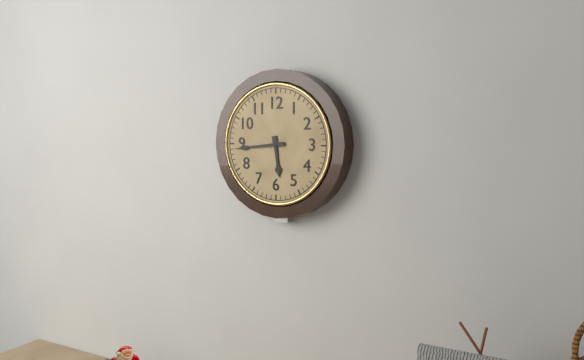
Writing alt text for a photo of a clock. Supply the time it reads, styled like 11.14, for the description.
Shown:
5.44
